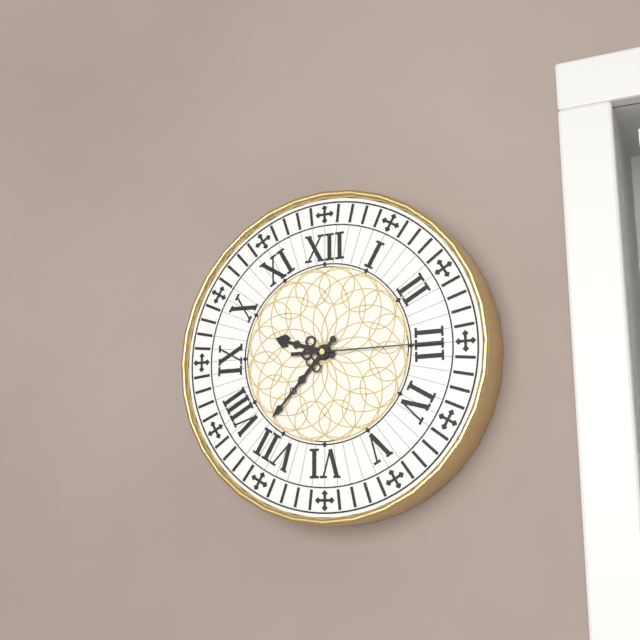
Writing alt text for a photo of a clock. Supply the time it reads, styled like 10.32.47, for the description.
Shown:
9.37.15
